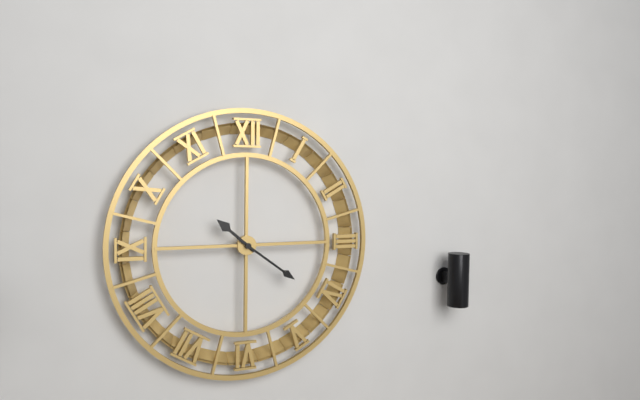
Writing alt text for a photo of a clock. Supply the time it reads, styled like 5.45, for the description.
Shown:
10.21
